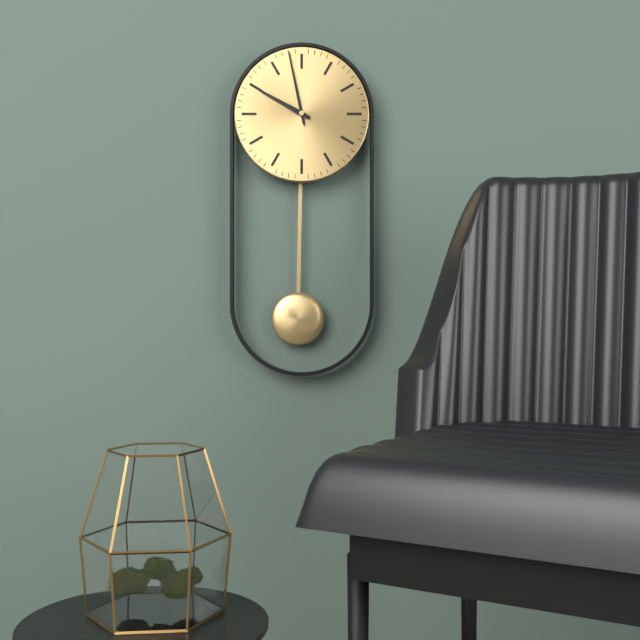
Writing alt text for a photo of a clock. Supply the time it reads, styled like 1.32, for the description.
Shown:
9.58
